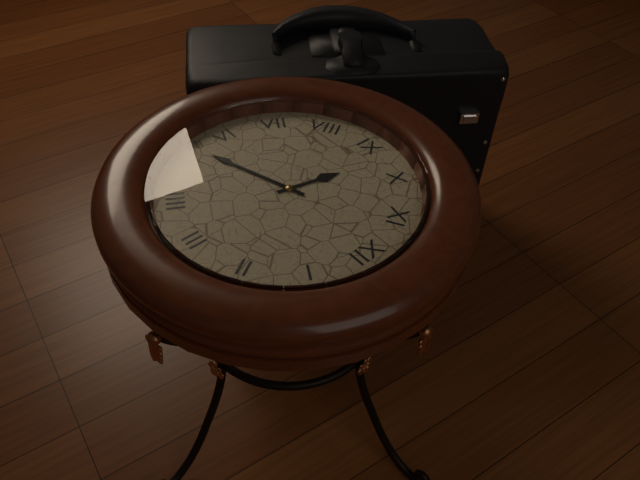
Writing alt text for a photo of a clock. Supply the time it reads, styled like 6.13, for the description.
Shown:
9.27
